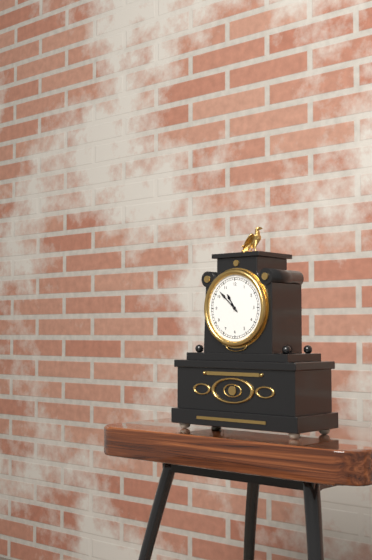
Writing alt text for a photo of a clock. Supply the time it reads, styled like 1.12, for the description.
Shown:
10.52
